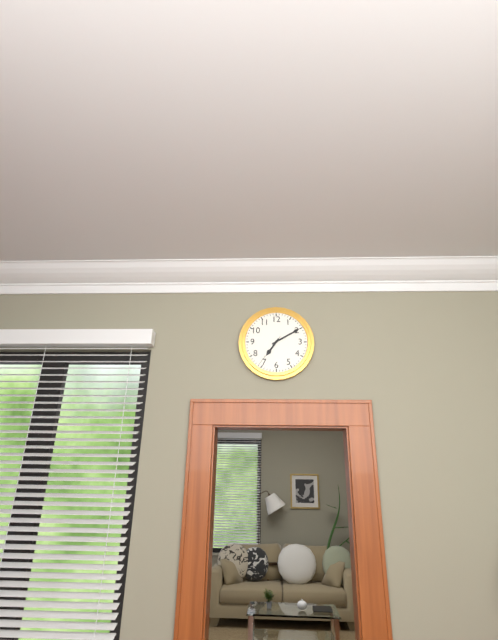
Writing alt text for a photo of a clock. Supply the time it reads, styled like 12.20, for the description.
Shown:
7.10
